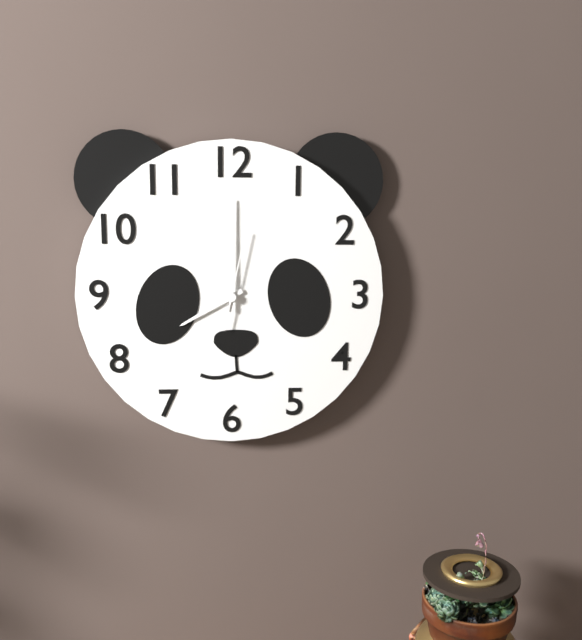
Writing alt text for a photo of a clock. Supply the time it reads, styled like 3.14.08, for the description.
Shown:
8.00.02
